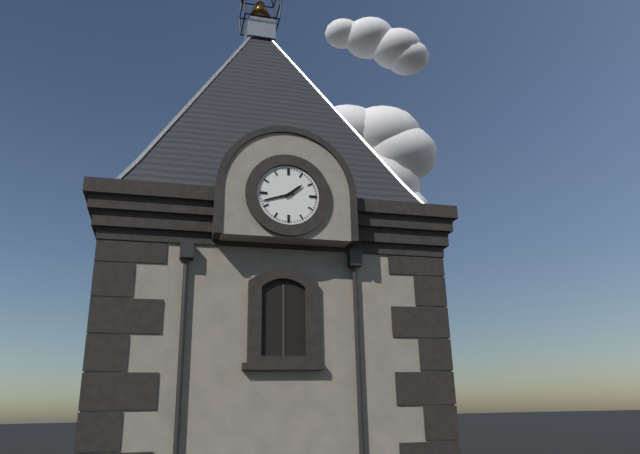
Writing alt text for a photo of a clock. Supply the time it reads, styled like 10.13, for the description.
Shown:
1.42
